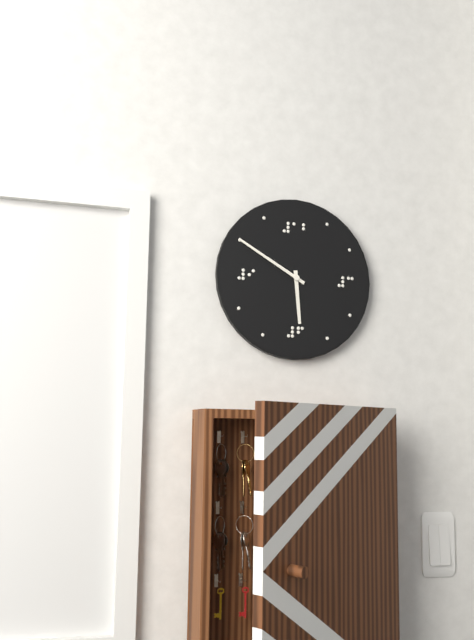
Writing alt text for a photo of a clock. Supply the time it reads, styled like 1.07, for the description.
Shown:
5.50
